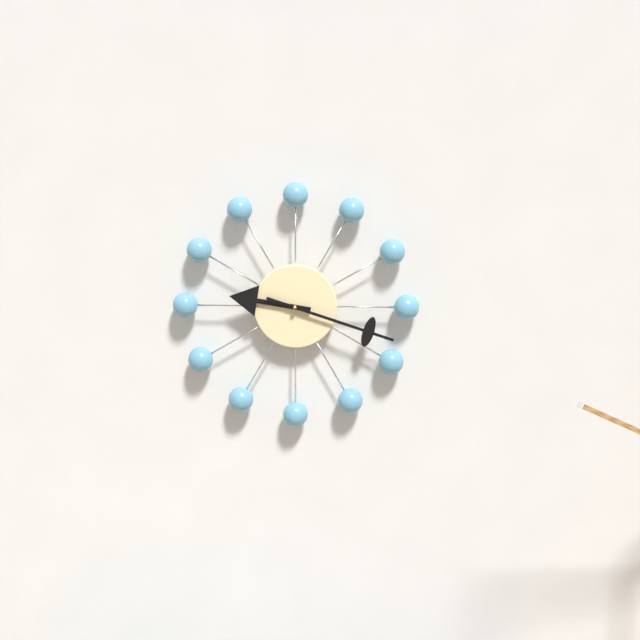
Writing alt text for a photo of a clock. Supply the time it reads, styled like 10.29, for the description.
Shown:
9.18
